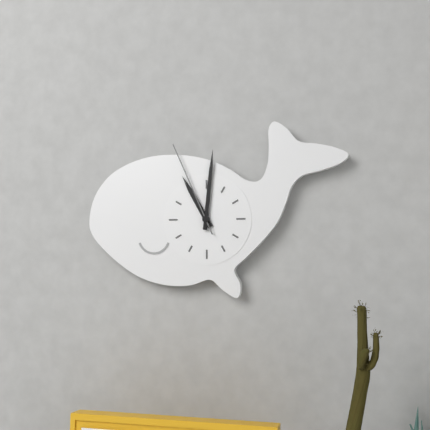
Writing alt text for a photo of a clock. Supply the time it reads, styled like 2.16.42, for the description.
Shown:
11.01.56
